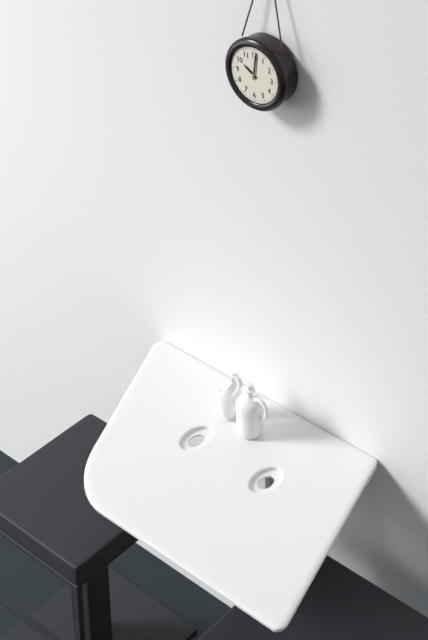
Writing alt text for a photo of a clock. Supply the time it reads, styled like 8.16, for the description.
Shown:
10.01
